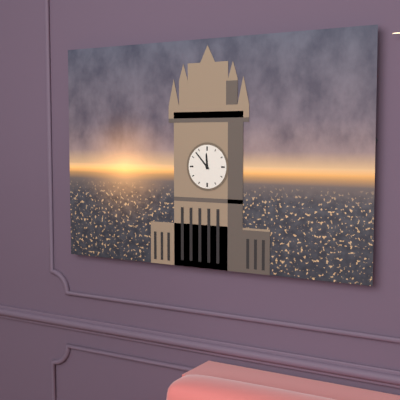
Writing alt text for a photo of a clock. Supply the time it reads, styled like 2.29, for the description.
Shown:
11.53
